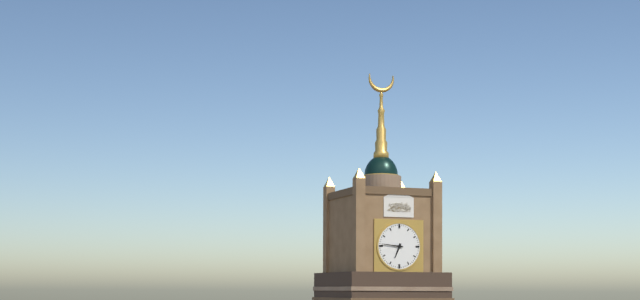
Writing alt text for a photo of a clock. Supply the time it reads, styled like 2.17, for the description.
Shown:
6.46
